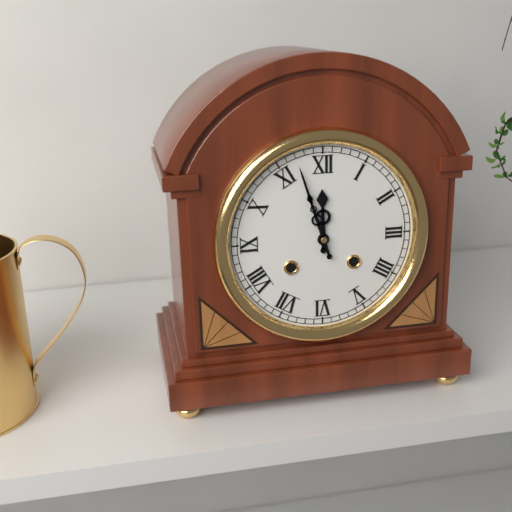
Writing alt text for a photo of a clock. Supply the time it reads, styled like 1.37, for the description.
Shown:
11.57
